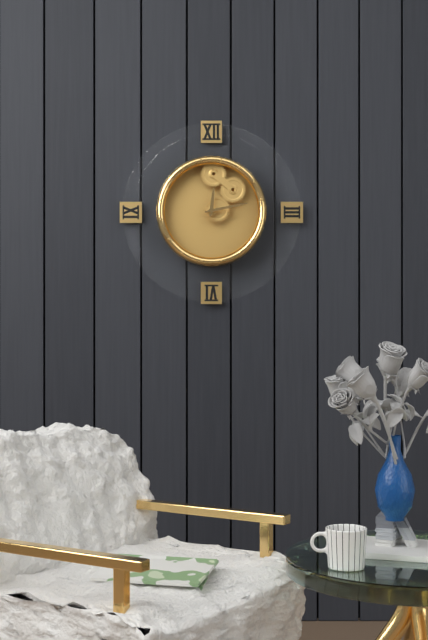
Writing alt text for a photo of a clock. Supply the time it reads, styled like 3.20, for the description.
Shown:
12.13
